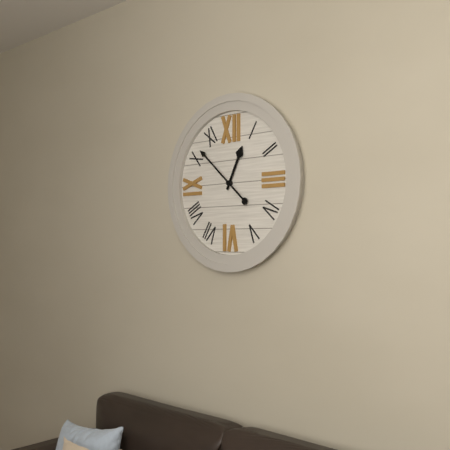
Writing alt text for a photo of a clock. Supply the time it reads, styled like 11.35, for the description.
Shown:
12.52
